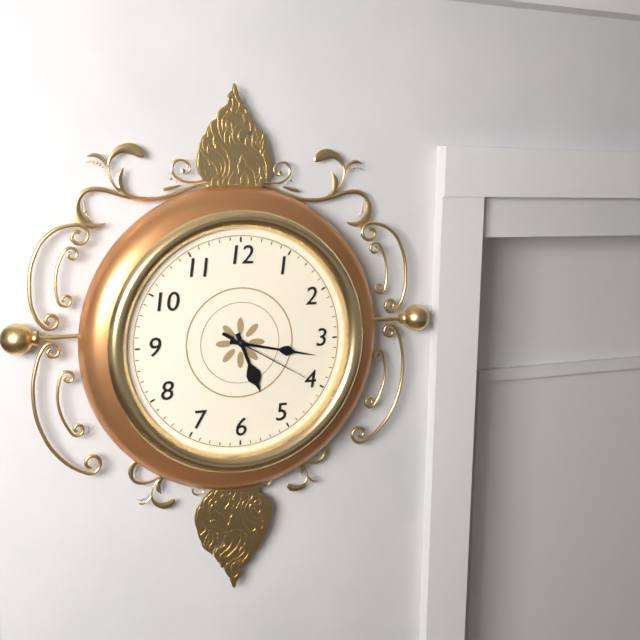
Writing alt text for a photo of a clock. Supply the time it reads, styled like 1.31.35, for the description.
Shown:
5.17.20
